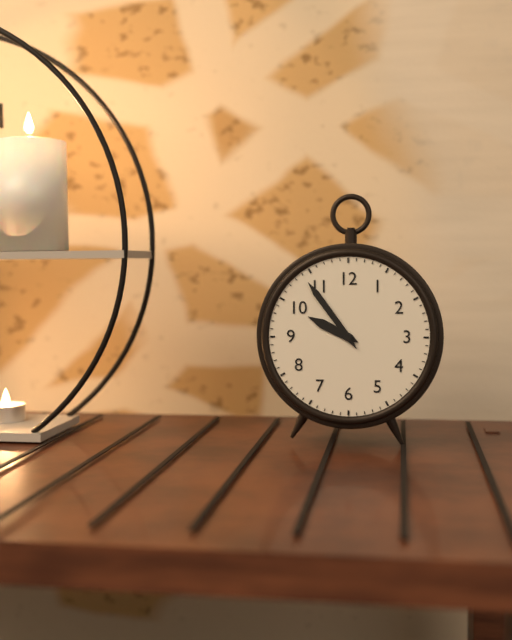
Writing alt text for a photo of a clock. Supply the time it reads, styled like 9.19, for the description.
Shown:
9.54
